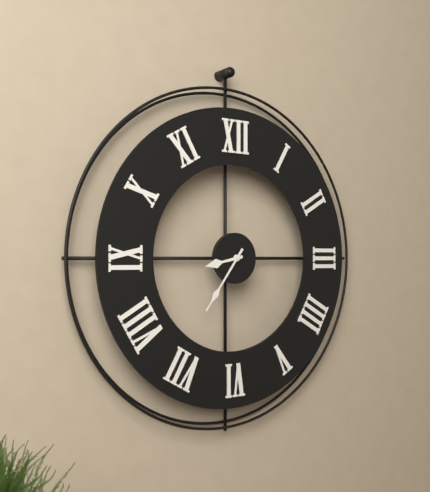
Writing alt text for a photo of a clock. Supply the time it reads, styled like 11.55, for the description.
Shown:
8.36
